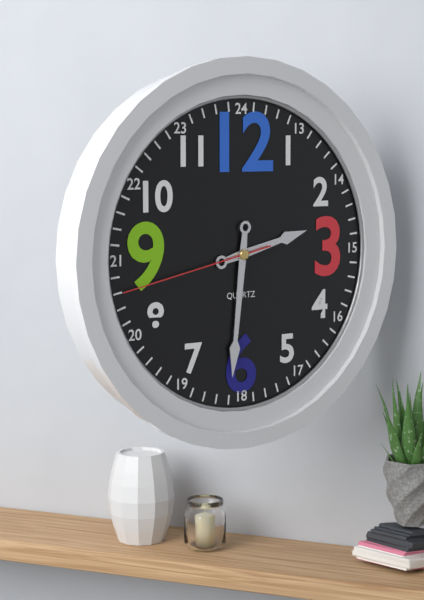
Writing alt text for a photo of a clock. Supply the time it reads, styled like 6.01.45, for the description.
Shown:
2.31.43
